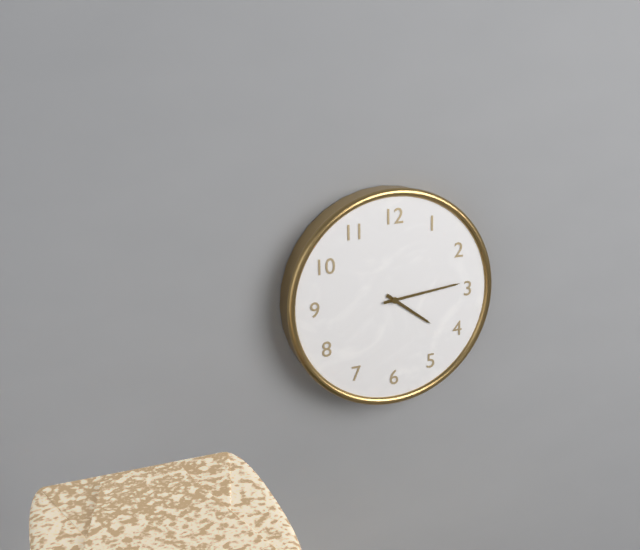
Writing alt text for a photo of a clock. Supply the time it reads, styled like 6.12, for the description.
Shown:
4.14
